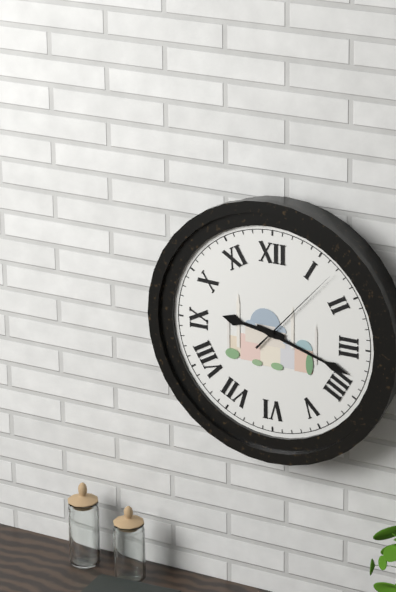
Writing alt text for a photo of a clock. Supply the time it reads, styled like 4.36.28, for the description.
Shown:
9.18.07
